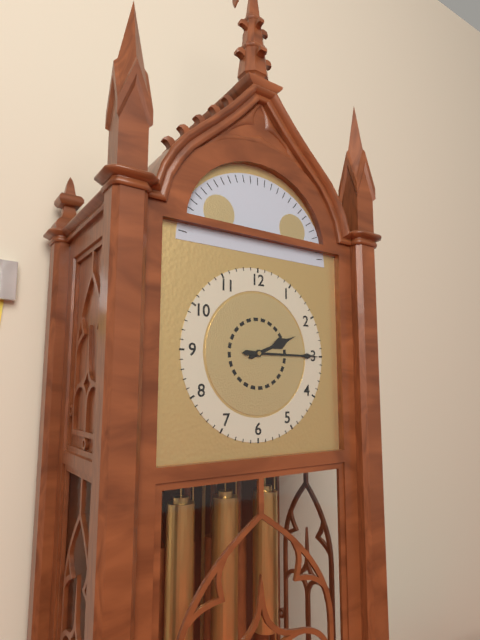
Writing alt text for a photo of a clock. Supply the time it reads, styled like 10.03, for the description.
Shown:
2.15
